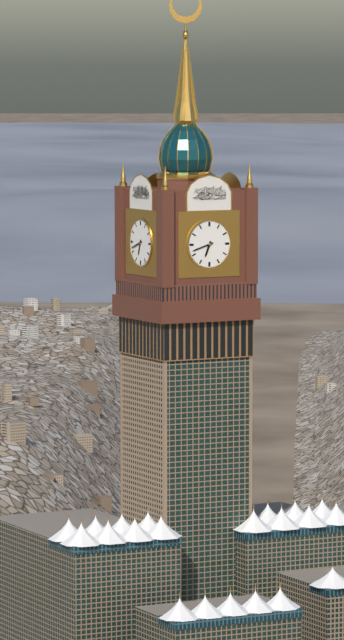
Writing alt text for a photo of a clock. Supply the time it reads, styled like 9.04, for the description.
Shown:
6.42
